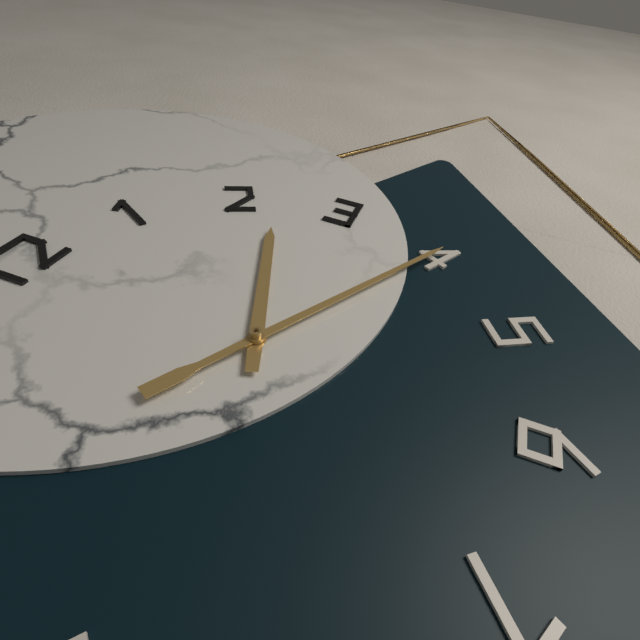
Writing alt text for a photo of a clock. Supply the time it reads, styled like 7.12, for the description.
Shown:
2.20
